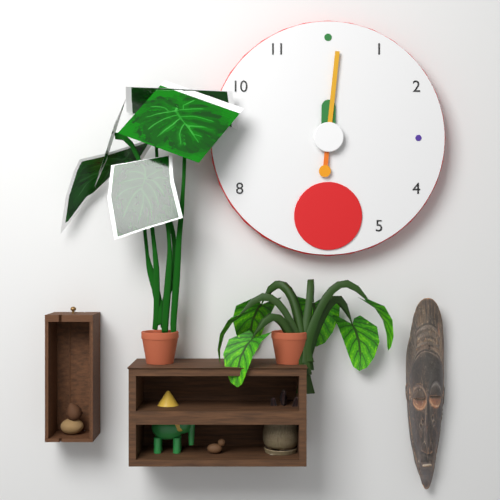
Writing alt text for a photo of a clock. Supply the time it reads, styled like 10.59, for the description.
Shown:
12.01
